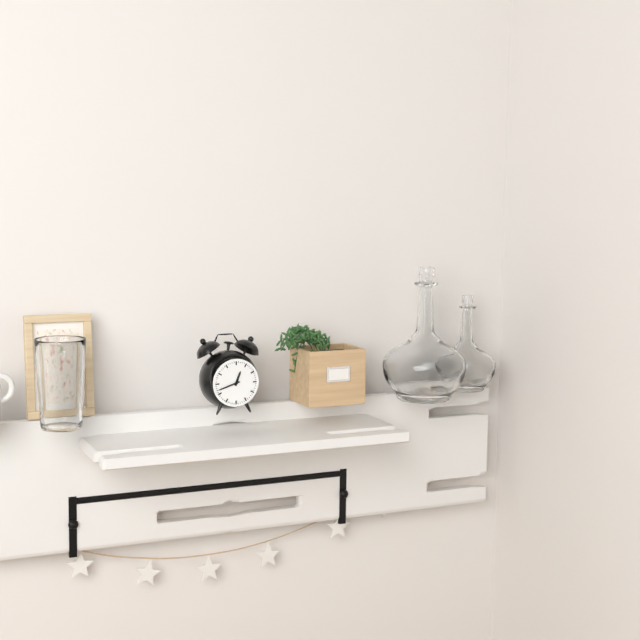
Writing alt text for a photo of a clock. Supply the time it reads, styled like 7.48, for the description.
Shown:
12.42
